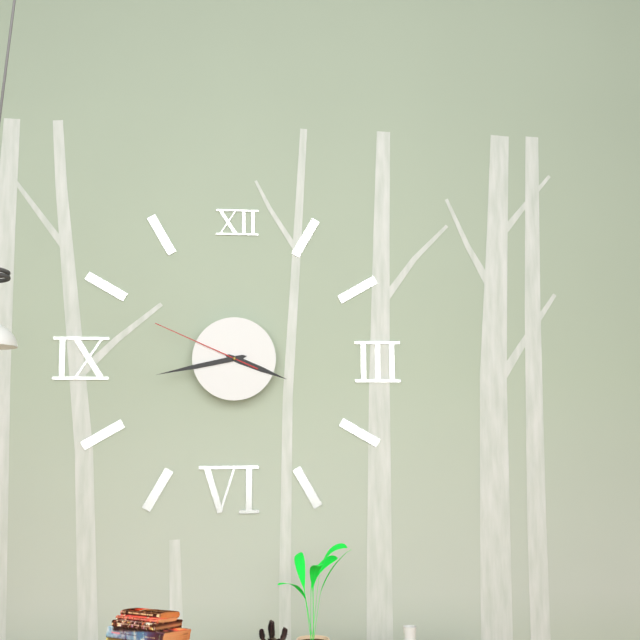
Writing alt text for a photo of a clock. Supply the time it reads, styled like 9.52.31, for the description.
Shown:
3.43.49
